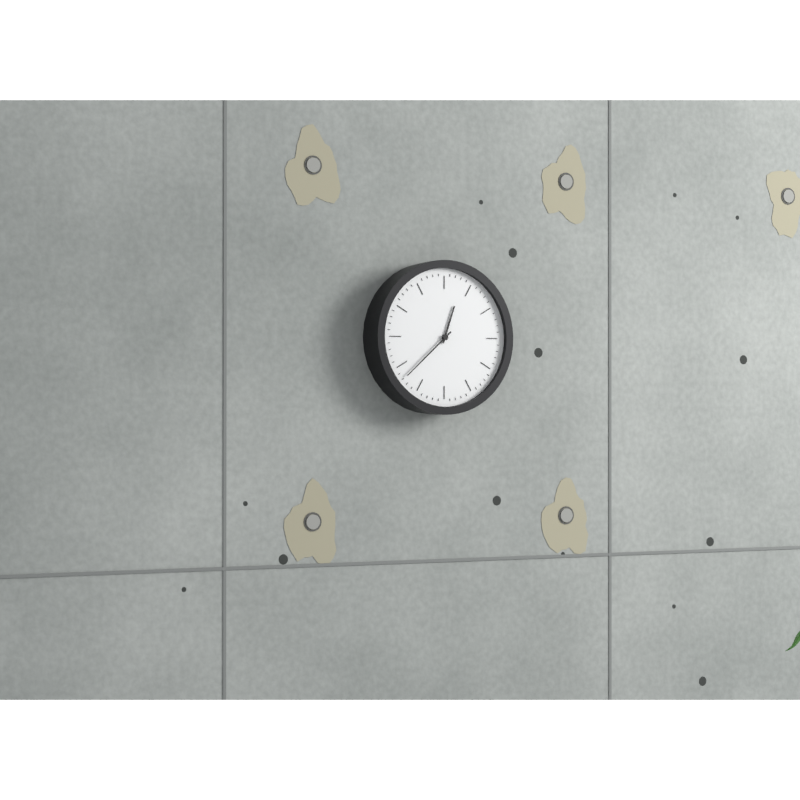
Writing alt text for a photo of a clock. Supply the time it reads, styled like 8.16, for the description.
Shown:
12.38
